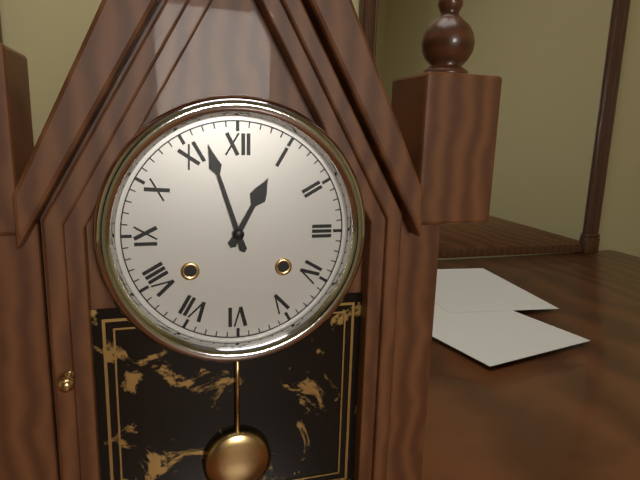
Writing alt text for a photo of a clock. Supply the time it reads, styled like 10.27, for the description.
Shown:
12.57
